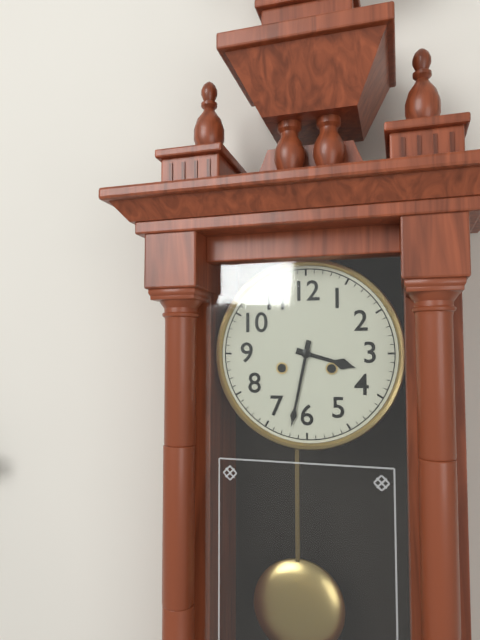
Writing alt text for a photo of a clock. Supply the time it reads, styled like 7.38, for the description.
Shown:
3.32
